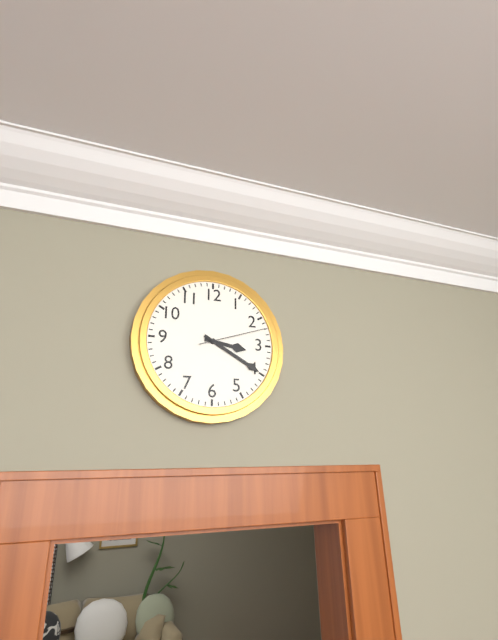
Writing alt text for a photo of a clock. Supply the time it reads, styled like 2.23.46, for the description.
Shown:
3.20.12
